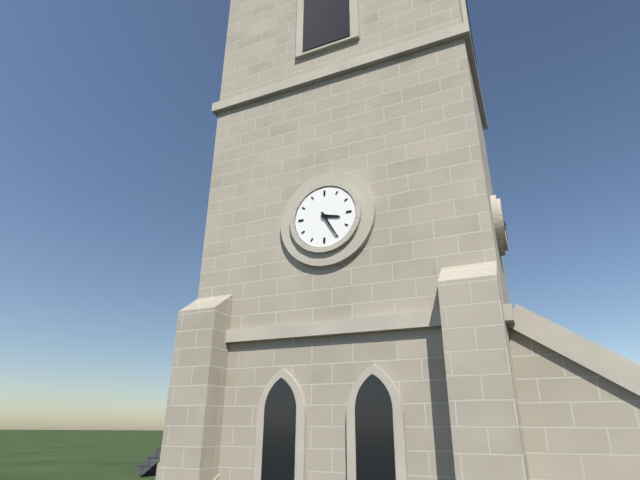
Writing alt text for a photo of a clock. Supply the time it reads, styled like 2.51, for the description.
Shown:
3.25
